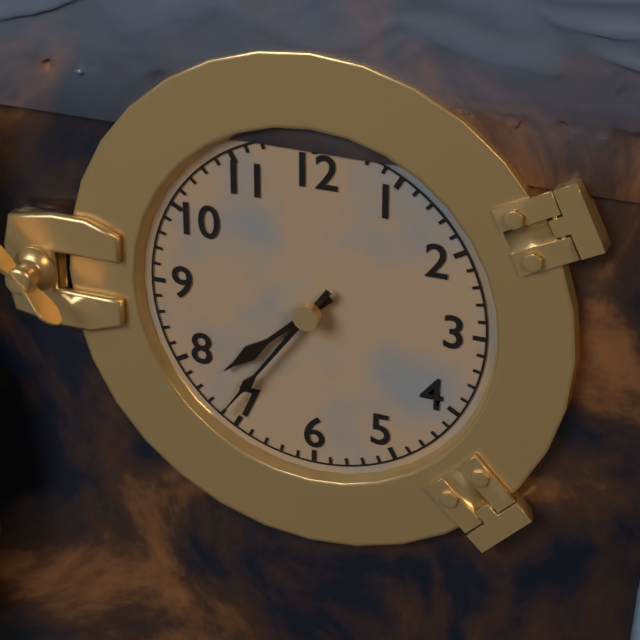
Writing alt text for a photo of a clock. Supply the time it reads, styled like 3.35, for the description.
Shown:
7.36
